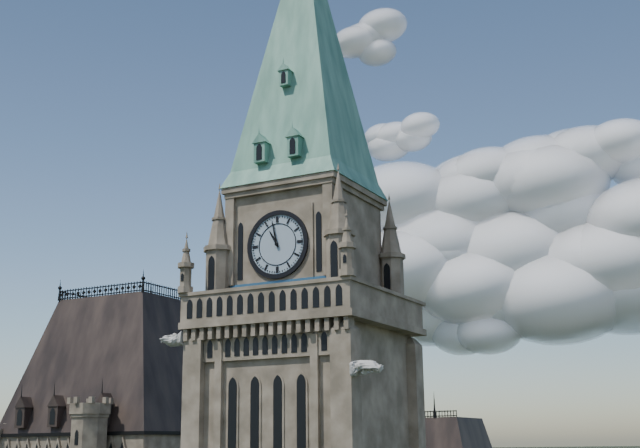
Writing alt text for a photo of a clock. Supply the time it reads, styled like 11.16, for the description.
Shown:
10.58
